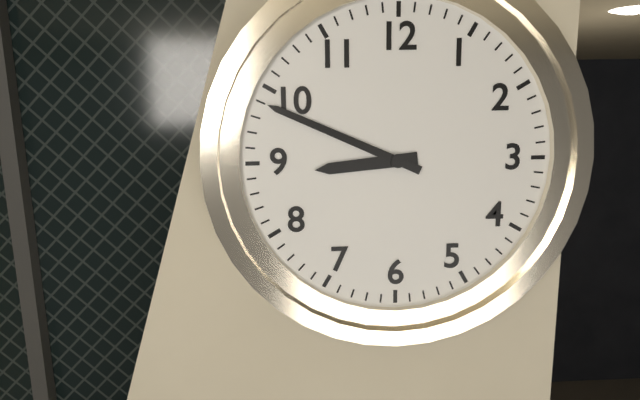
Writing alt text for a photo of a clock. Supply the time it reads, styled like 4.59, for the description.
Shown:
8.49
